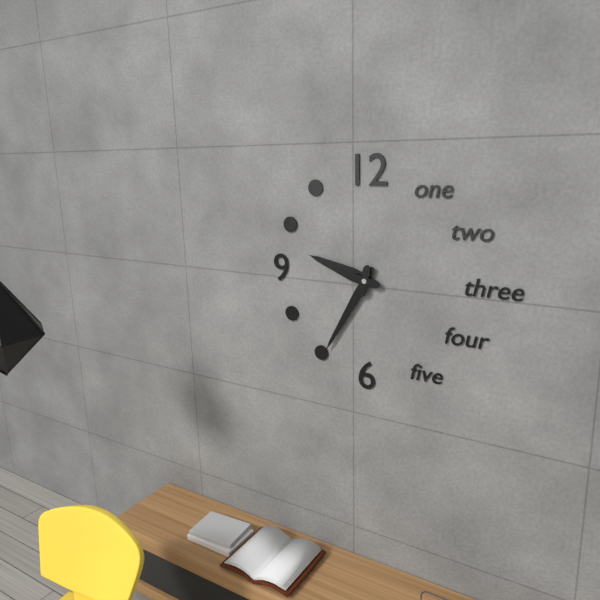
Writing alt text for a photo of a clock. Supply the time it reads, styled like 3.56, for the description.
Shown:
9.35
